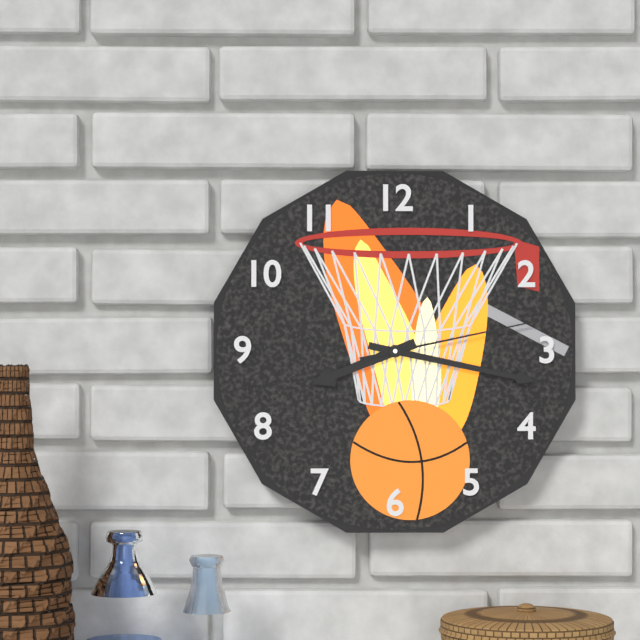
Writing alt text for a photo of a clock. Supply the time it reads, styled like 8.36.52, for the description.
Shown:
8.17.13
